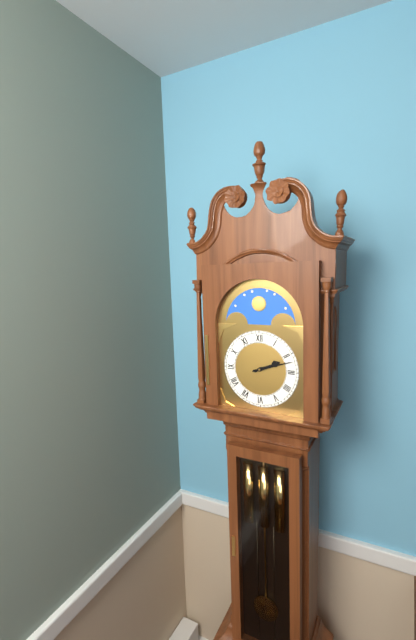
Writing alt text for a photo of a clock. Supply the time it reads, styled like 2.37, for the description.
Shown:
2.12
